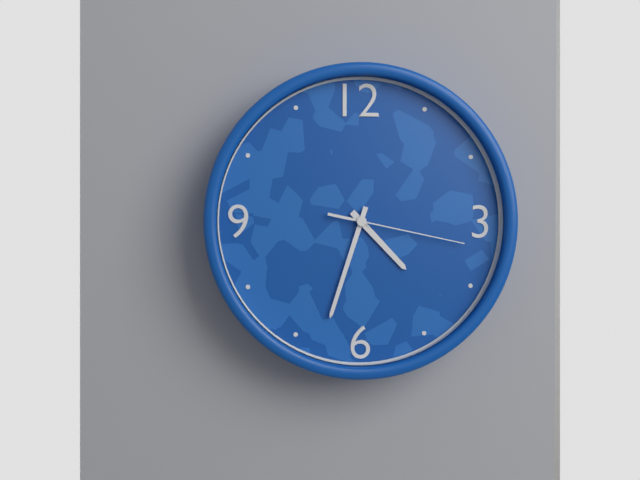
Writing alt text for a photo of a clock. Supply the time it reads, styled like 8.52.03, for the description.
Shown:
4.33.17
